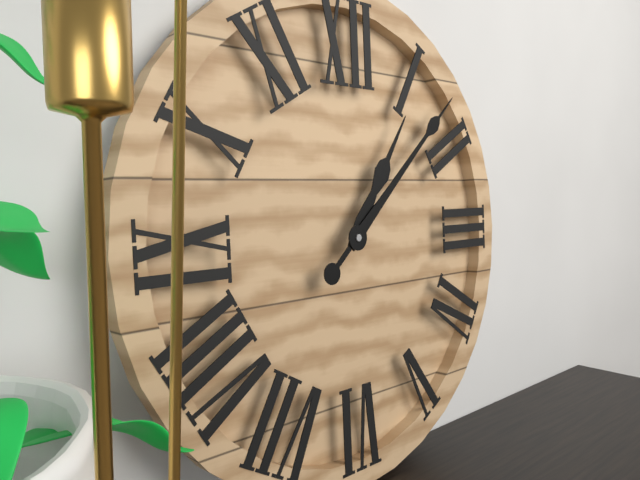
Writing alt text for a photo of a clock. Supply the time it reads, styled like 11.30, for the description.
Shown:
1.08
